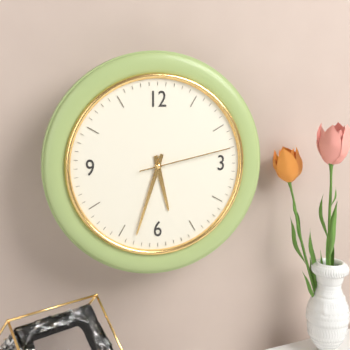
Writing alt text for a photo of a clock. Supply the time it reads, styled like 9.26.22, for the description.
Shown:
5.33.13
